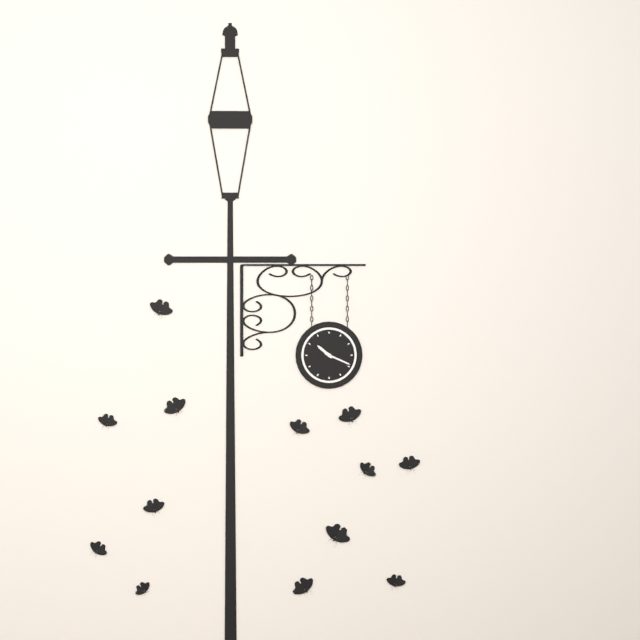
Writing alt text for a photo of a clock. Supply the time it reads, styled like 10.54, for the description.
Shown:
10.19
